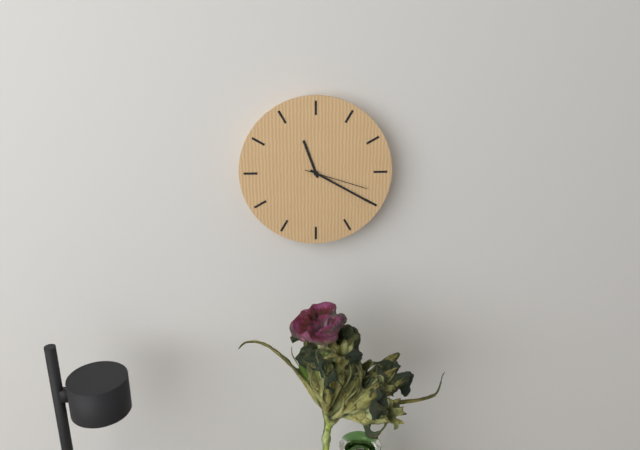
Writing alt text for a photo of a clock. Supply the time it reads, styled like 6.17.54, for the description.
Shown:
11.20.18
